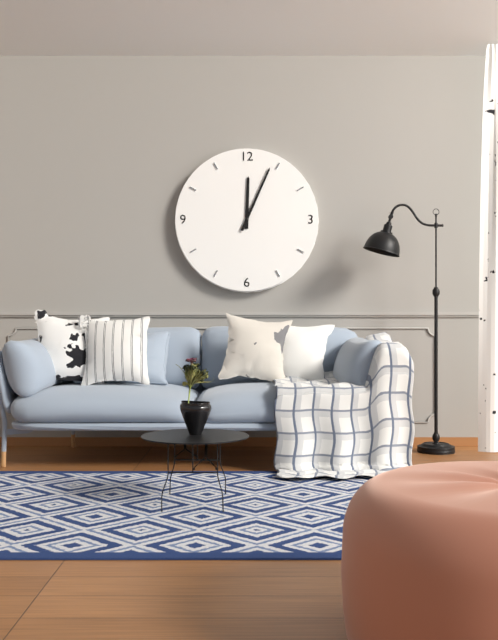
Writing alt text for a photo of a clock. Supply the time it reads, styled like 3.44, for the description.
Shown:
12.04
